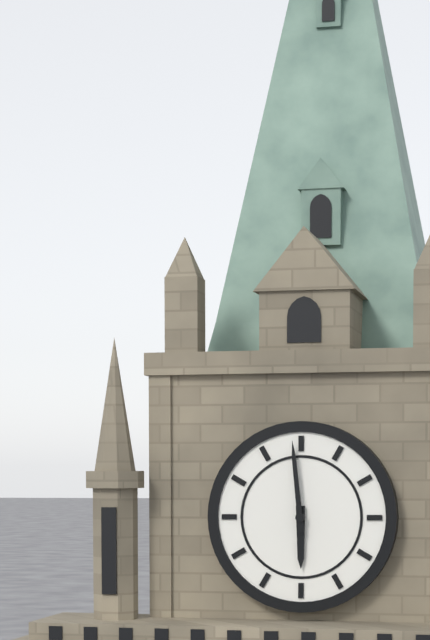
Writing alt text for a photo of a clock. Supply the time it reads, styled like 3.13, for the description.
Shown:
5.59
